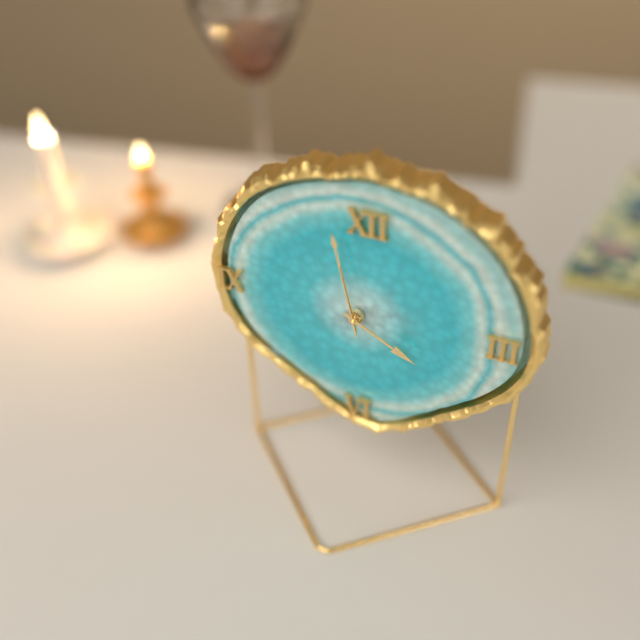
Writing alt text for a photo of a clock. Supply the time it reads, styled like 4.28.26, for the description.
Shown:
3.58.58
